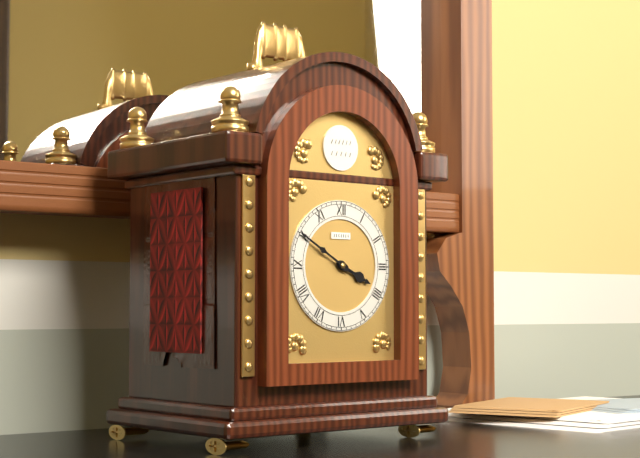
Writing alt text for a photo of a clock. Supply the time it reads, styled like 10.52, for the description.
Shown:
3.50
